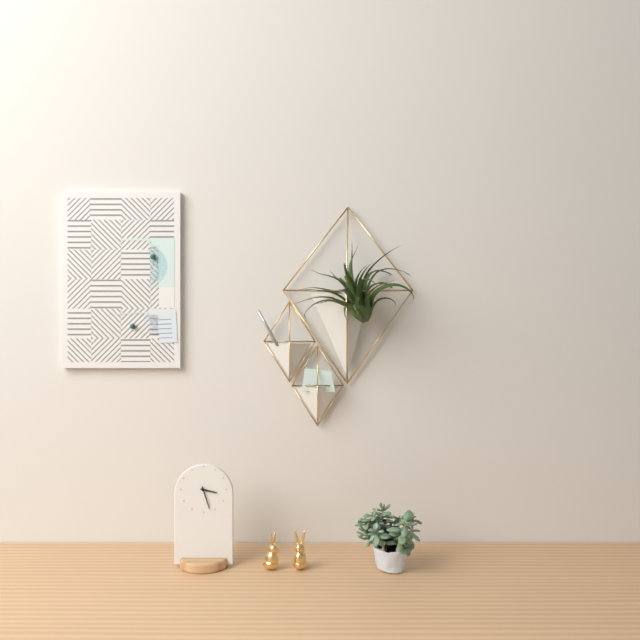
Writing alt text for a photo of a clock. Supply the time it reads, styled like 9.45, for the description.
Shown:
3.27
